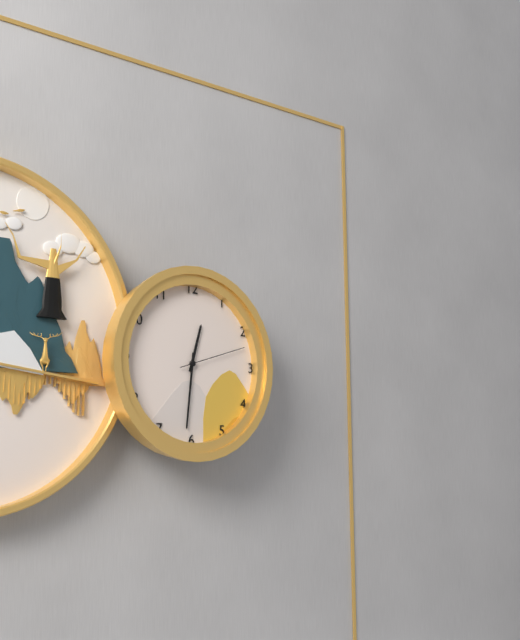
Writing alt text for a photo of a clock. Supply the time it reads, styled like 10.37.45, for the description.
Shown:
12.31.12
